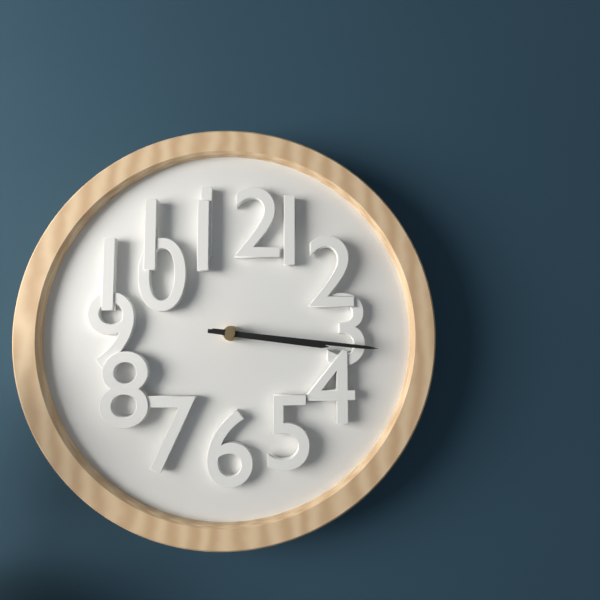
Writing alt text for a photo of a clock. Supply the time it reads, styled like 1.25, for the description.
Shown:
3.16
